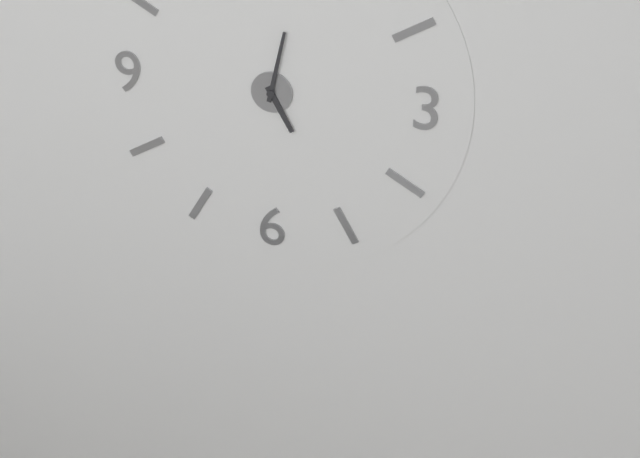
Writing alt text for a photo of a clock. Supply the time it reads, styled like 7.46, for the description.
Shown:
5.02
